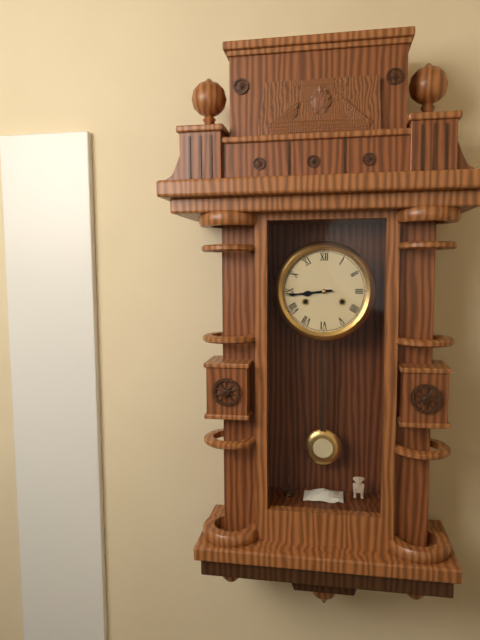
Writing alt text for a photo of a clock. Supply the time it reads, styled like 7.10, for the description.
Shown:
8.44
